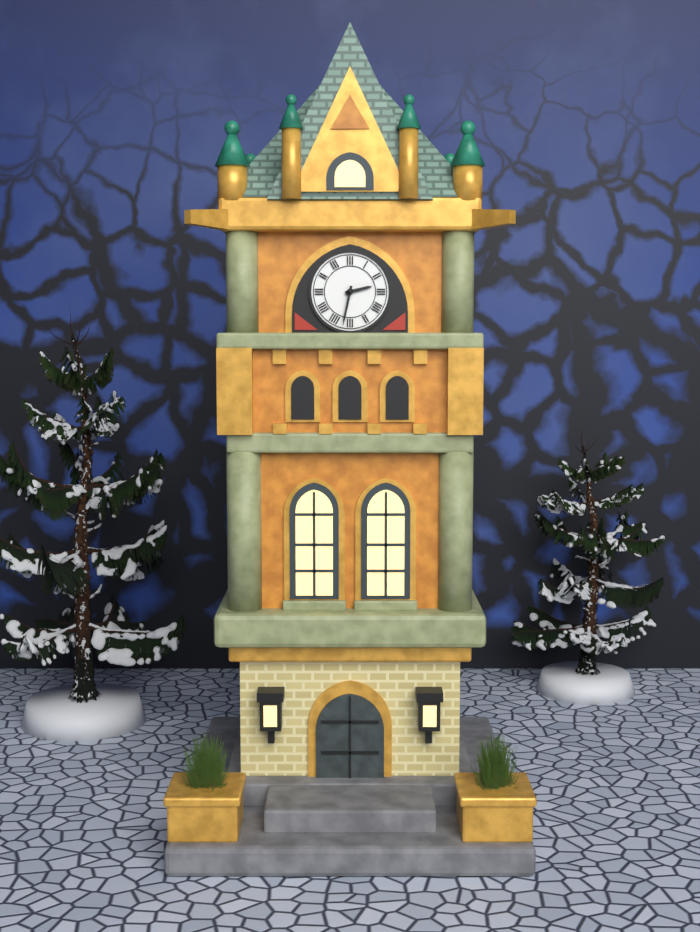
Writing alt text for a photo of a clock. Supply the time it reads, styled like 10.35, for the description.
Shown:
2.32
